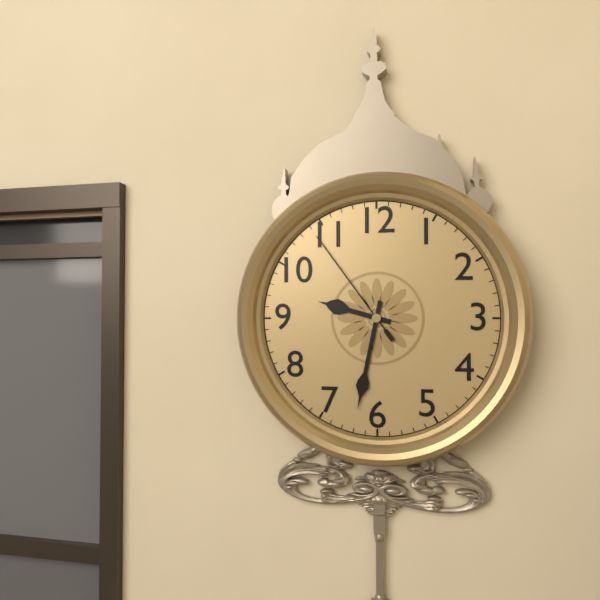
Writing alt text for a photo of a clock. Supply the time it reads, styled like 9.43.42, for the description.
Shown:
9.32.54
